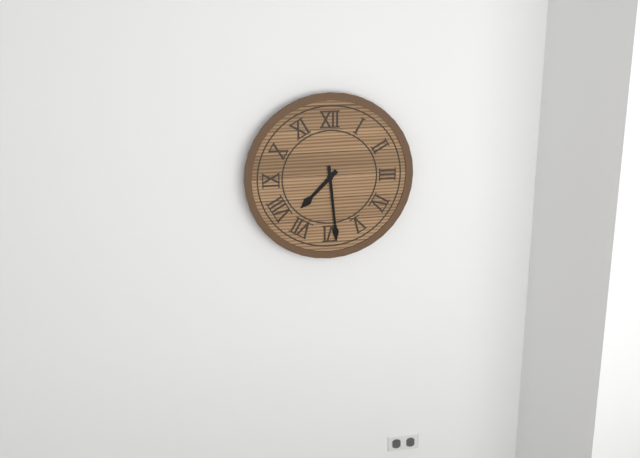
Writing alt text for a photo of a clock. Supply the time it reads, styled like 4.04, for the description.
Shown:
7.29
